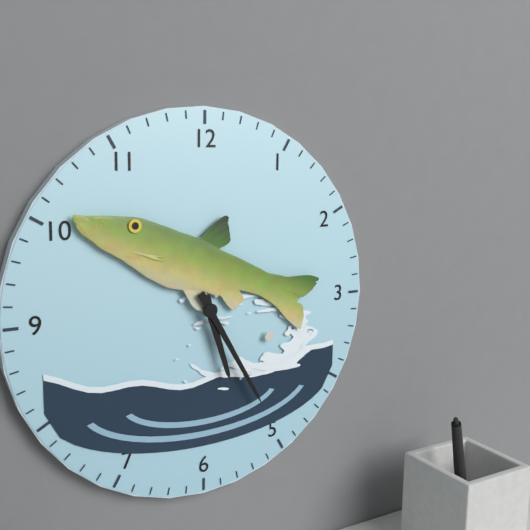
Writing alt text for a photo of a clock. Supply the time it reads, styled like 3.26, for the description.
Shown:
5.25
